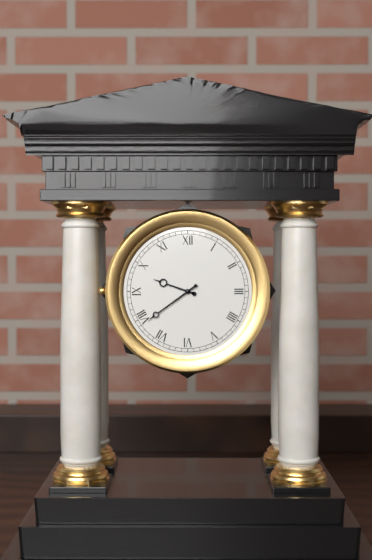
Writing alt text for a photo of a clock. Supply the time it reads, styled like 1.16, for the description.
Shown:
9.39
